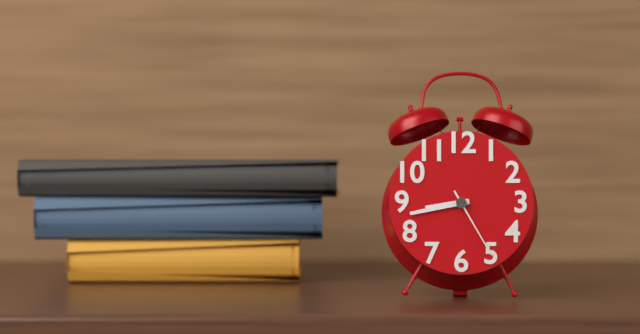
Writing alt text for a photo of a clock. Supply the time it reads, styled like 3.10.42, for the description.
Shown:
8.43.25
